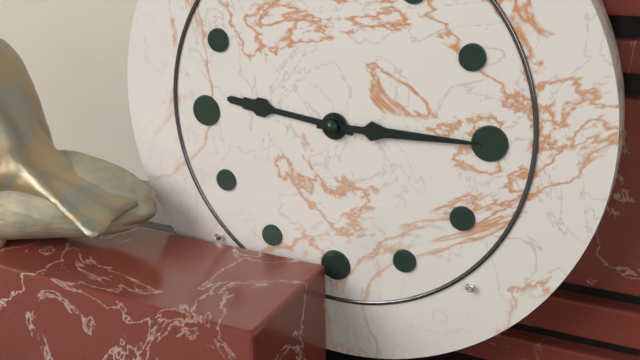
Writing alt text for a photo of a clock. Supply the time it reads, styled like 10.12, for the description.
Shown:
9.15
